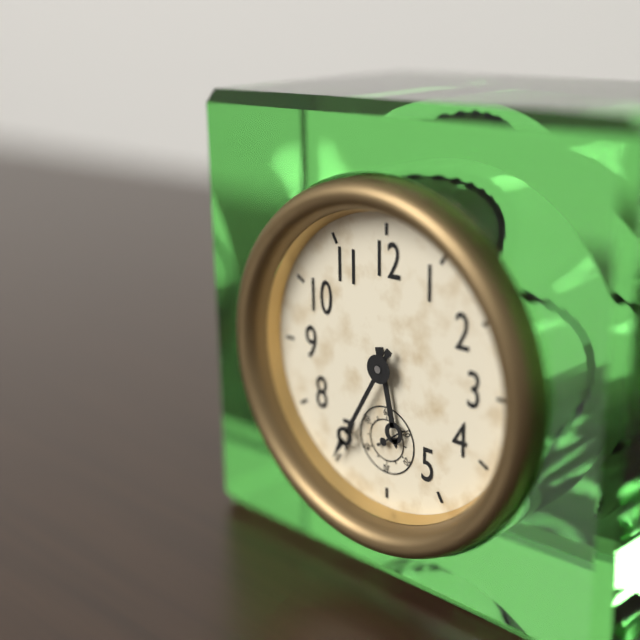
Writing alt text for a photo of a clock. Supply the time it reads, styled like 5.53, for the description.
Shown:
5.35
